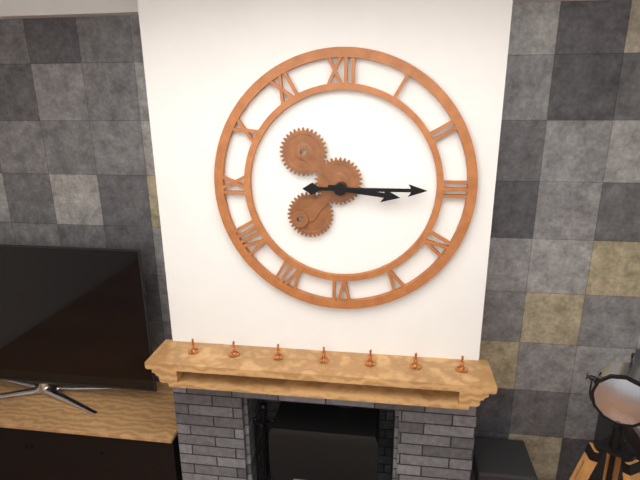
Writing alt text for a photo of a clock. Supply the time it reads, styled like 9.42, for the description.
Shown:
3.15
